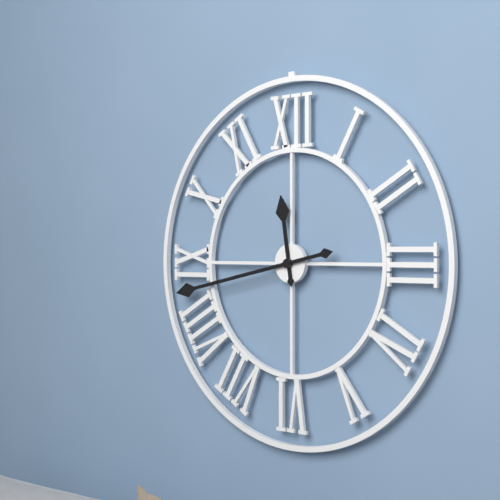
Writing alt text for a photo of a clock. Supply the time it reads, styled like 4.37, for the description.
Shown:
11.43
